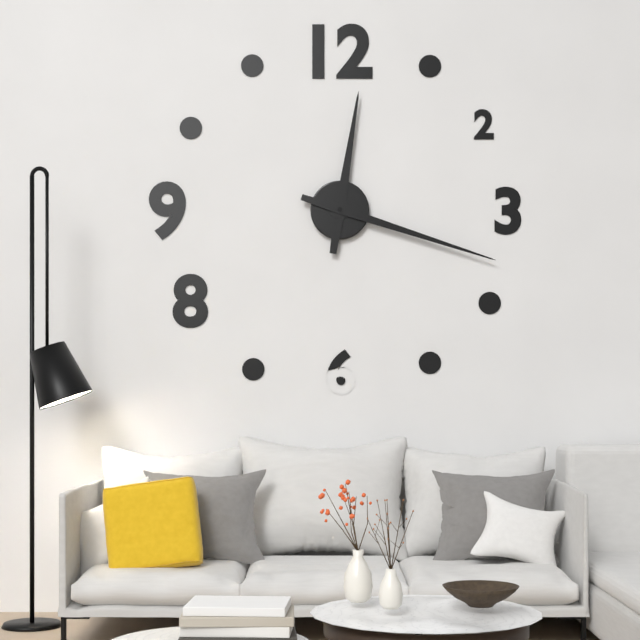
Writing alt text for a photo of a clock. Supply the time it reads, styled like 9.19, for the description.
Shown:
12.18
